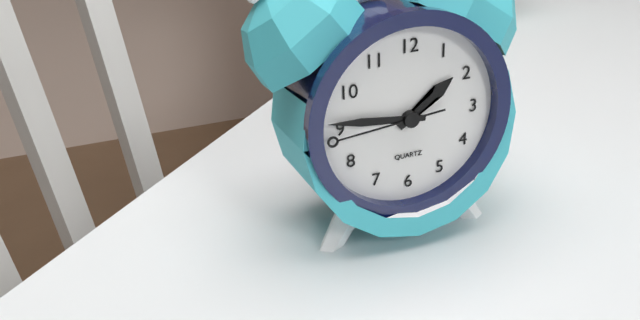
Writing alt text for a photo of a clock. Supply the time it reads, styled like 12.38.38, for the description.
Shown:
1.46.44
